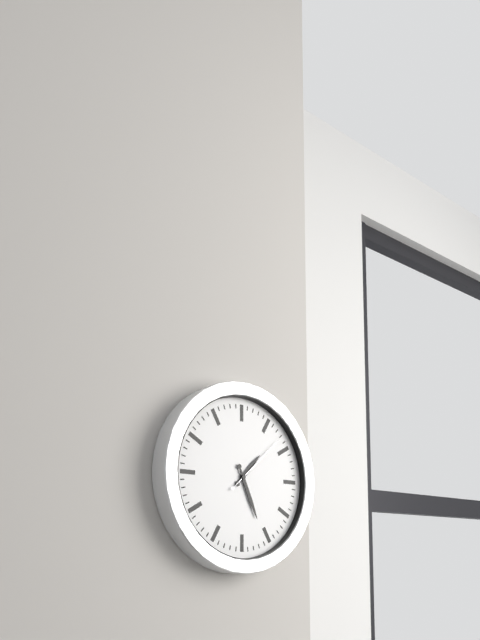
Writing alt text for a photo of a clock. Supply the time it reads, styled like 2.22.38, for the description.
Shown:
1.26.08
